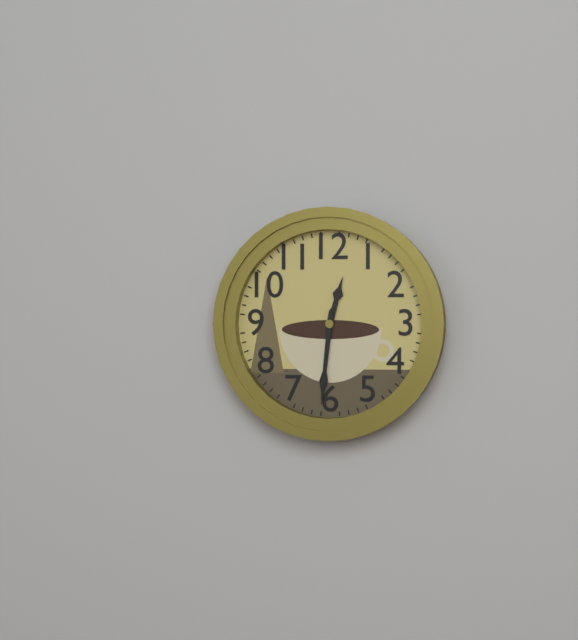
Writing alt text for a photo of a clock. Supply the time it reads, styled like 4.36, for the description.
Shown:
12.31
